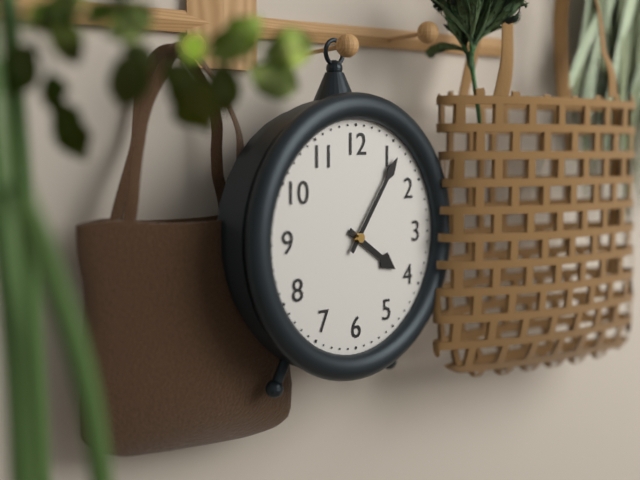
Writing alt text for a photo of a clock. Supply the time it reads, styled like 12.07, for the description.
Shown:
4.06
